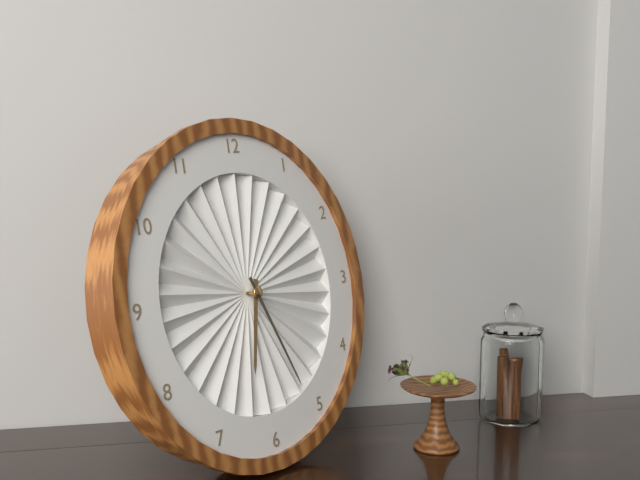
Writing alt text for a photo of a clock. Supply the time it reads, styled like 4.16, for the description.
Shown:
6.26
